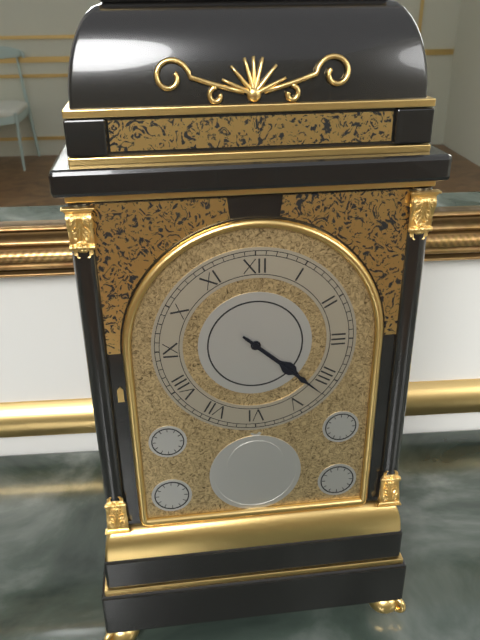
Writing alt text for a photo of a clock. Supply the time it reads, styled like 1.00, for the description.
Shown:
4.22
